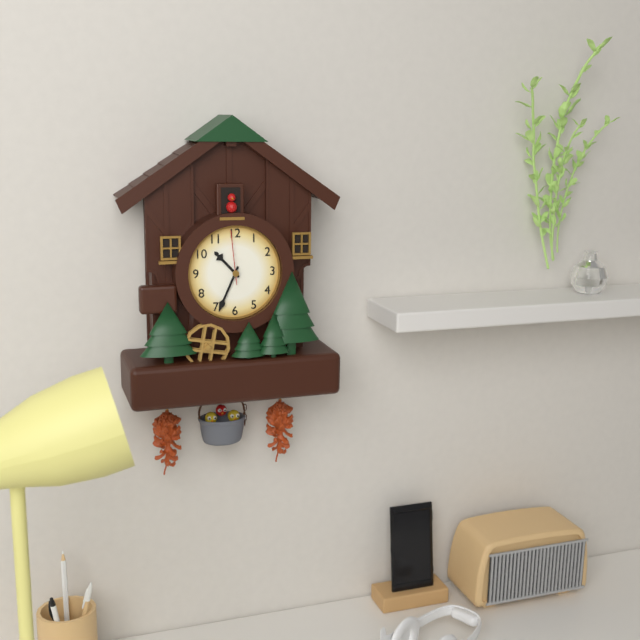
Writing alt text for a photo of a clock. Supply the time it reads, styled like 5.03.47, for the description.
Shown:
10.34.59
